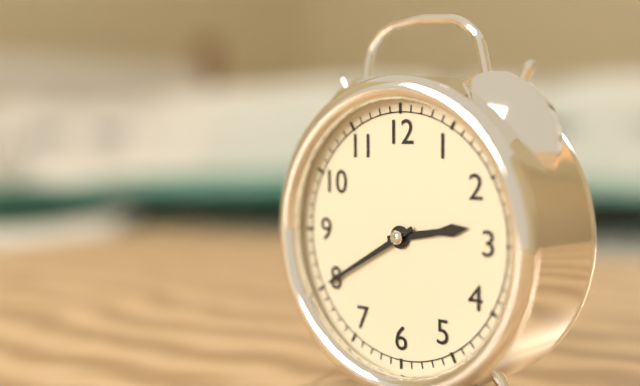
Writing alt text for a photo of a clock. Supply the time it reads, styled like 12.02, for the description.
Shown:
2.40
